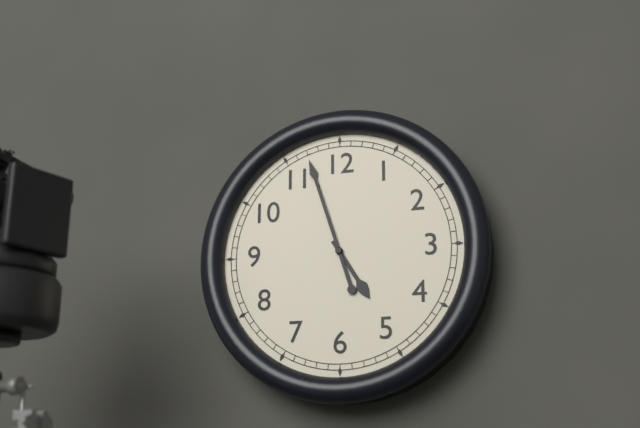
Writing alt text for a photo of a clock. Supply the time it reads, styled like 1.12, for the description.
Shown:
4.57
